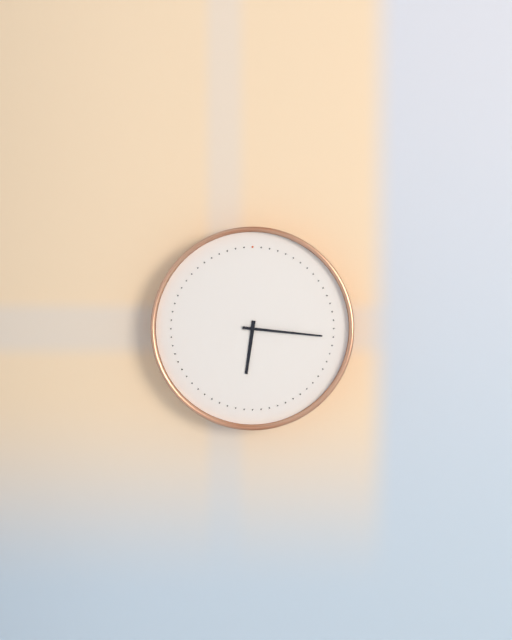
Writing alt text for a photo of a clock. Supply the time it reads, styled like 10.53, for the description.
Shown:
6.16
